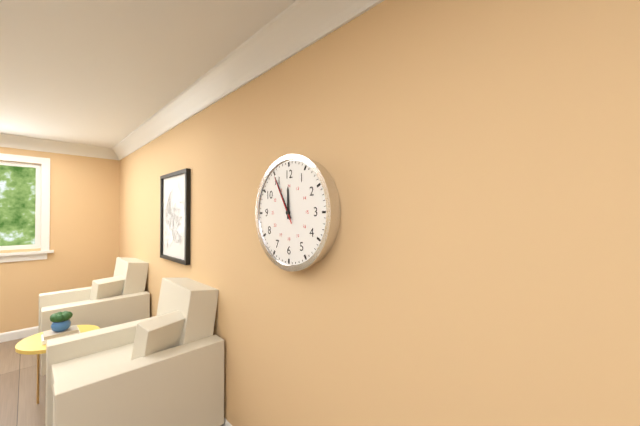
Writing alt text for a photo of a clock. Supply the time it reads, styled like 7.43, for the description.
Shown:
11.55
